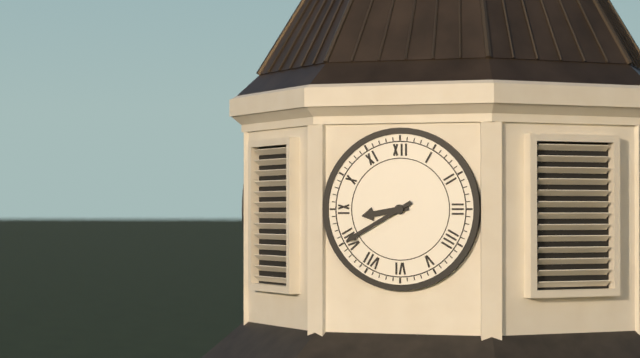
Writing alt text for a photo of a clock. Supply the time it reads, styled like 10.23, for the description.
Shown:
8.40
